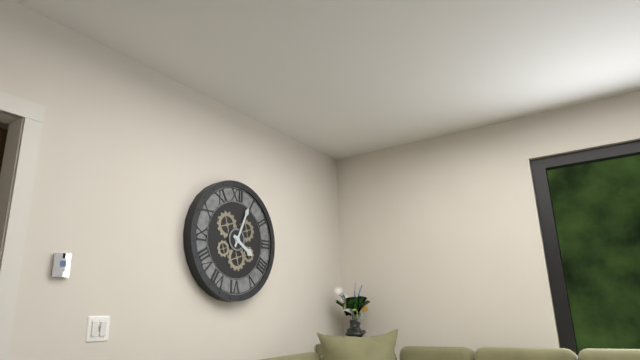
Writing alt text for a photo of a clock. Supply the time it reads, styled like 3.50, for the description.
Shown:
4.04
